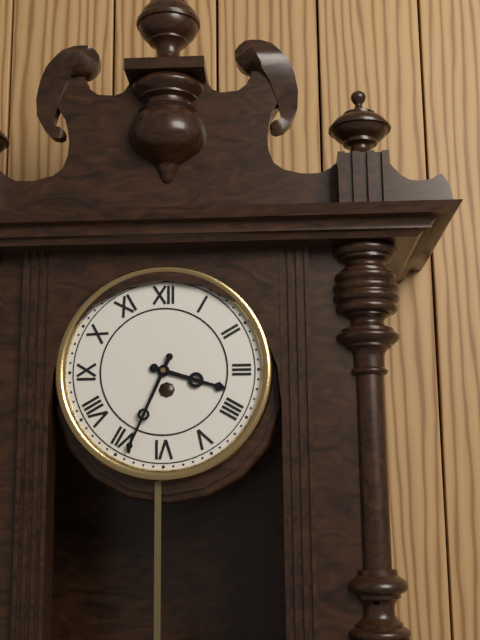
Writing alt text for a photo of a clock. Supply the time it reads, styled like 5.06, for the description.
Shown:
3.34
